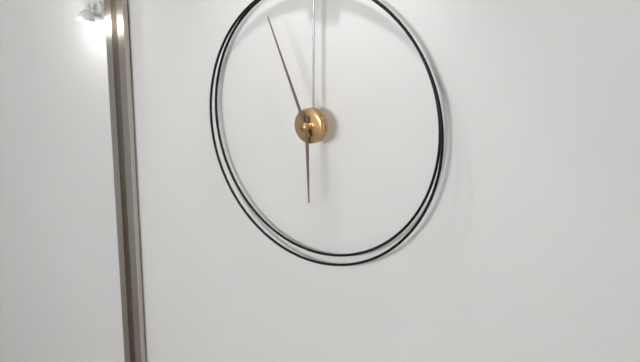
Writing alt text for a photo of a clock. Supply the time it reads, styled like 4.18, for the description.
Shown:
5.56
